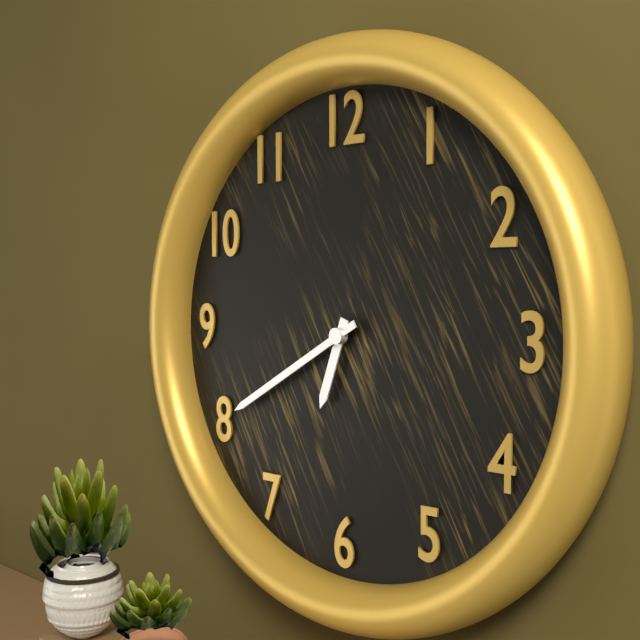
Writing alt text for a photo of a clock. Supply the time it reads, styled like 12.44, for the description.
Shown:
6.40
